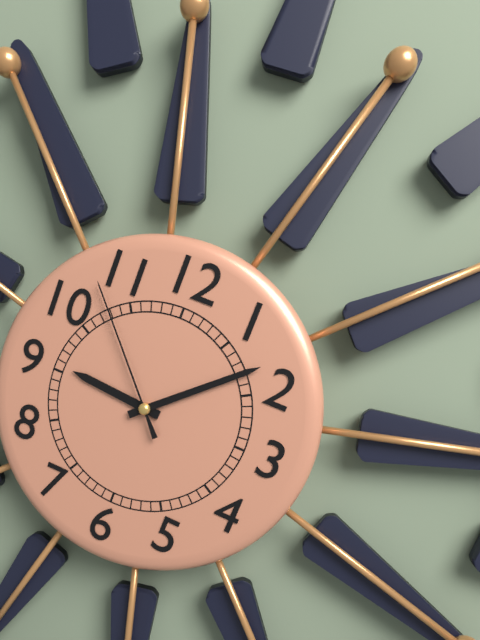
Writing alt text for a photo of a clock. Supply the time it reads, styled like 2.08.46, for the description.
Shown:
9.08.53
